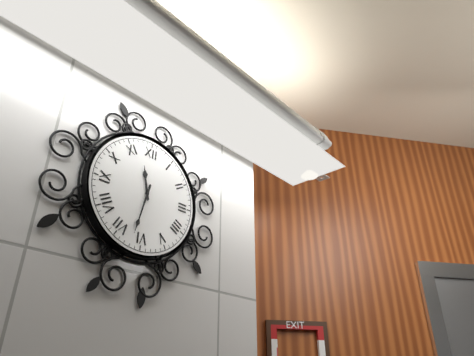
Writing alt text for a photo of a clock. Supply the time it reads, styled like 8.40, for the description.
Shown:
11.32
